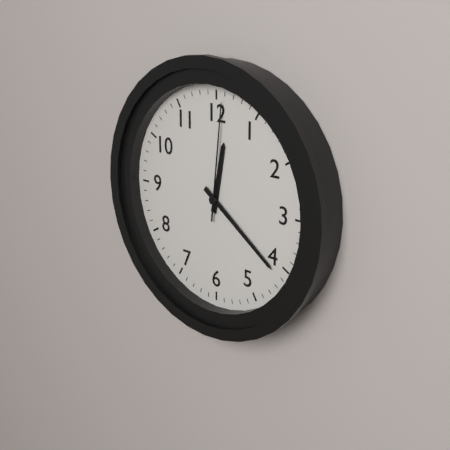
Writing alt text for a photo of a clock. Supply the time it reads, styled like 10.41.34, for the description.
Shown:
12.21.01
